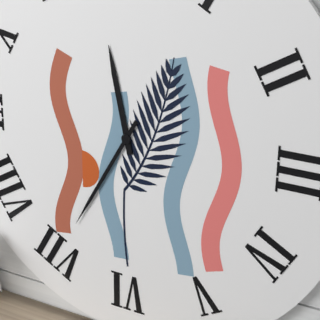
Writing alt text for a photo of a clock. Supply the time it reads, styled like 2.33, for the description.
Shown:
11.35
